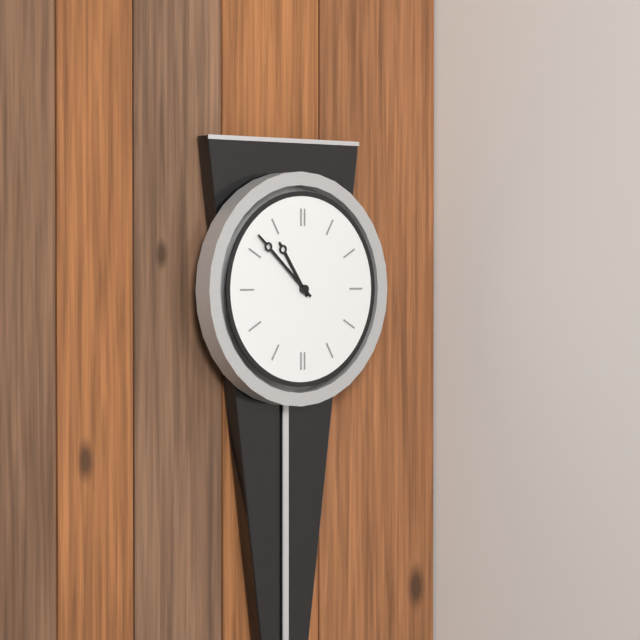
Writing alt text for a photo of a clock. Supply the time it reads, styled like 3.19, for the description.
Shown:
10.52
